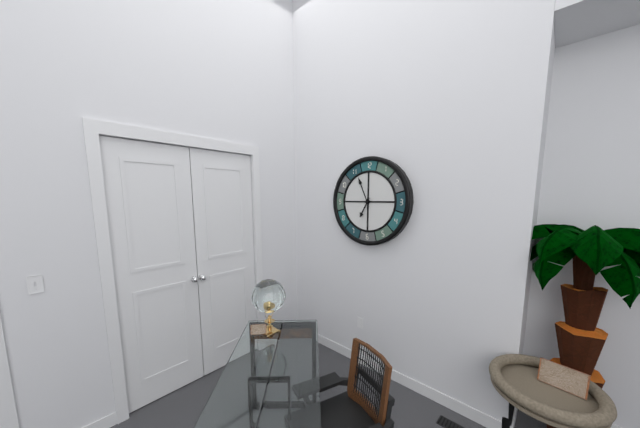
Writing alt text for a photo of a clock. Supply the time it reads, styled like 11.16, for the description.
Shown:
6.56
